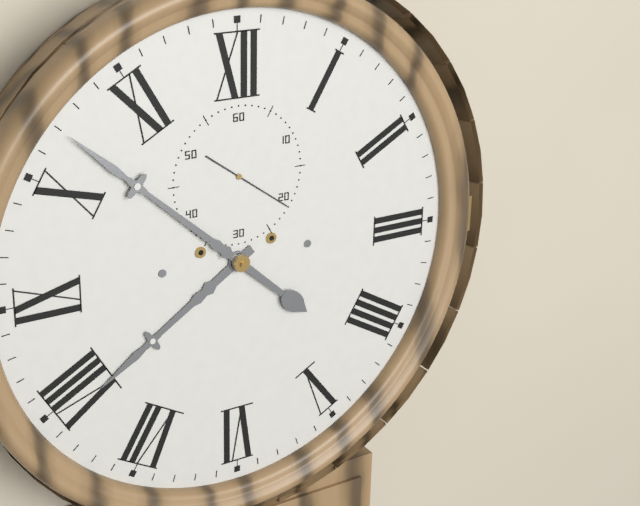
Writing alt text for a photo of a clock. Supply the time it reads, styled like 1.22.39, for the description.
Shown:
7.52.21
